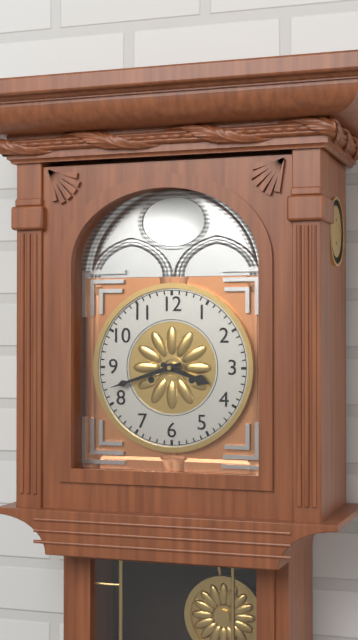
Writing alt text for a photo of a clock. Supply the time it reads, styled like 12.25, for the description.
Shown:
3.42
